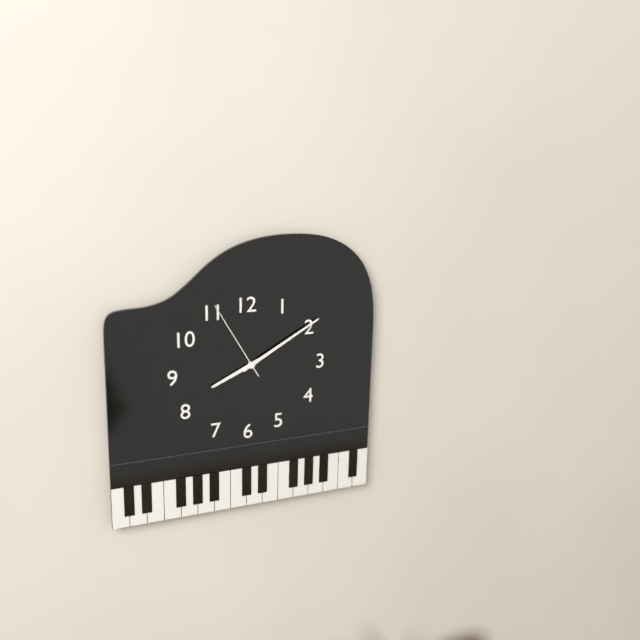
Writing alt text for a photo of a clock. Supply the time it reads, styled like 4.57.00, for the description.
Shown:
8.10.55
